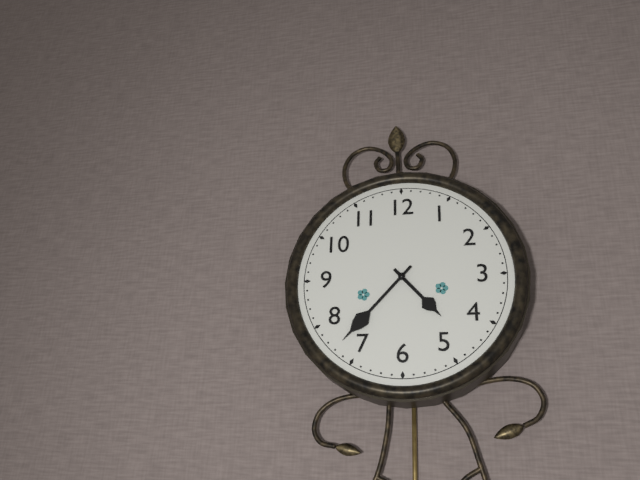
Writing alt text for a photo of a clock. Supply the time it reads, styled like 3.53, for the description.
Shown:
4.37
